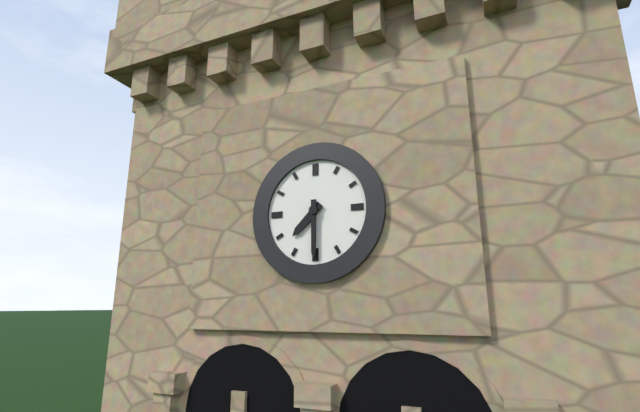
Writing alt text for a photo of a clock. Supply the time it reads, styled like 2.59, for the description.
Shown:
7.30
